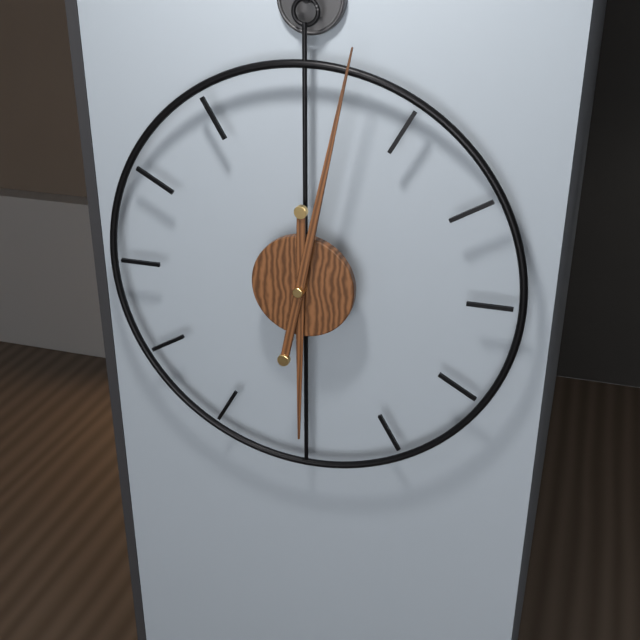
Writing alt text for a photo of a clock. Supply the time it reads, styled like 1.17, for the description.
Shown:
6.02
